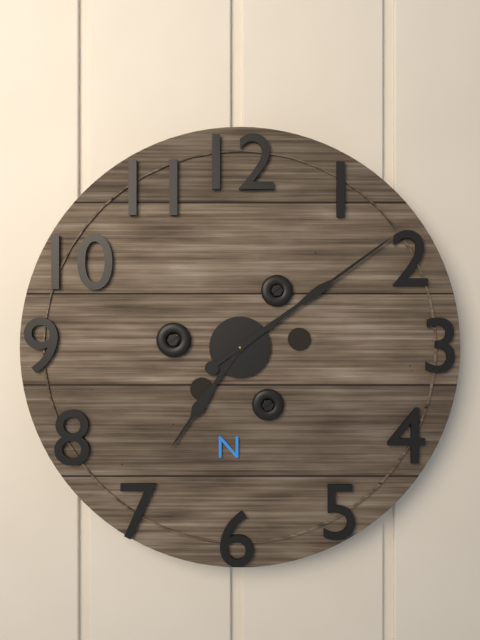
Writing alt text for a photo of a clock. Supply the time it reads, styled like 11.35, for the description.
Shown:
7.09
